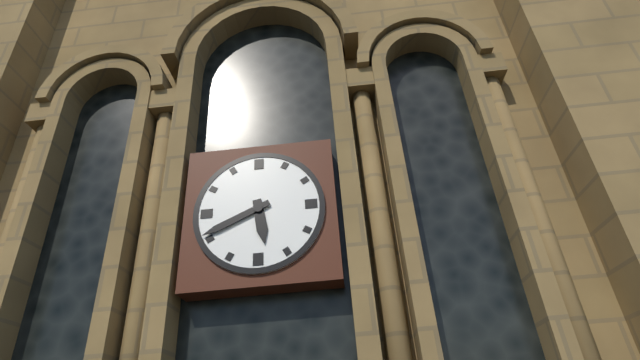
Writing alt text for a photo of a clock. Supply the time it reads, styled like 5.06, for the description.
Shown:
5.41
